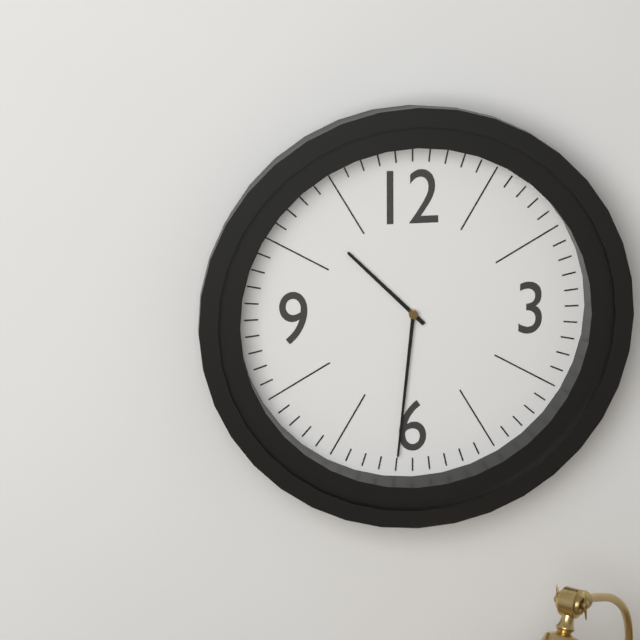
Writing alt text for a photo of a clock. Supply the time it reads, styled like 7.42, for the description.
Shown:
10.31
